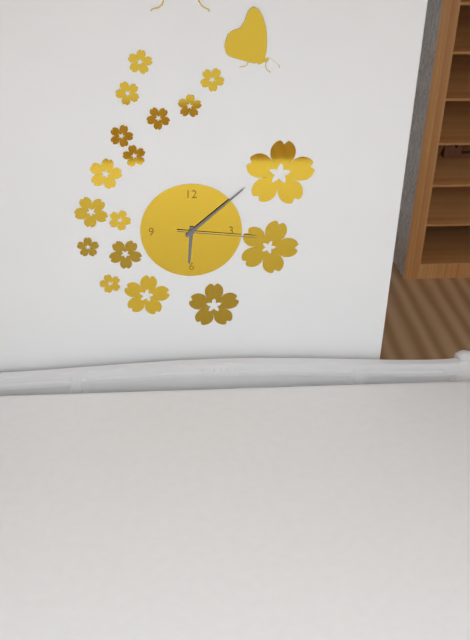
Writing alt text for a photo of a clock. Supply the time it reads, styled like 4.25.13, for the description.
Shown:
6.08.16
